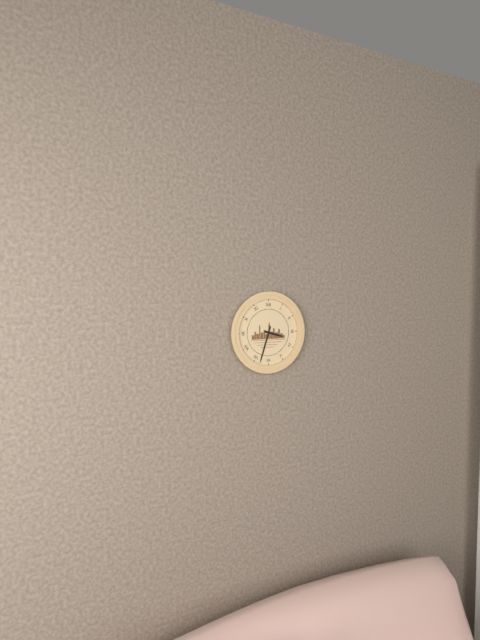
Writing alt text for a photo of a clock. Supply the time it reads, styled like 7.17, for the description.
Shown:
3.33
